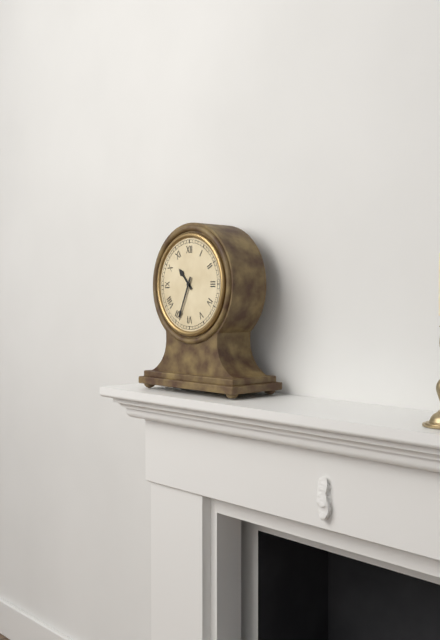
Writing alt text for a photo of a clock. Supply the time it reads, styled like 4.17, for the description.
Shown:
10.34
